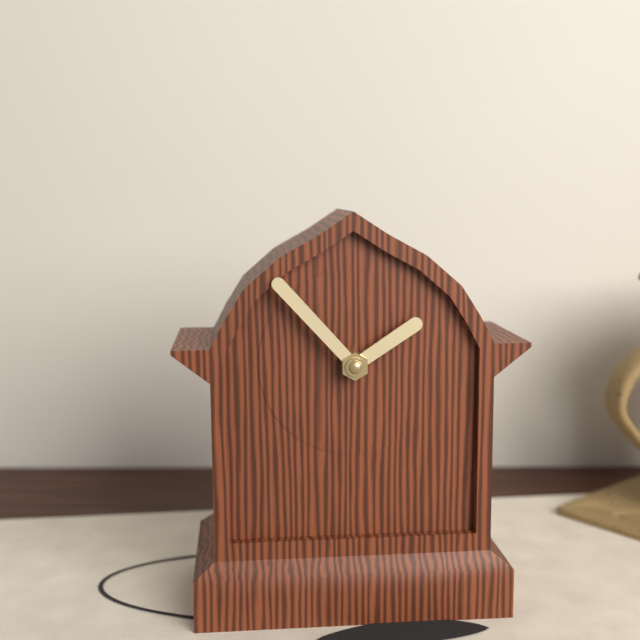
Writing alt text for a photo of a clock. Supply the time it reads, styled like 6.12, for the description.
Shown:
1.53
